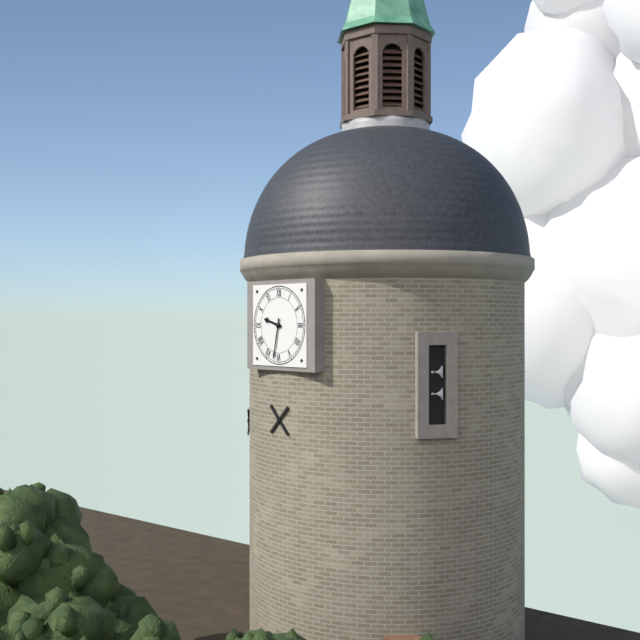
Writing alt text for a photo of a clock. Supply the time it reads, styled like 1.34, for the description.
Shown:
9.32
